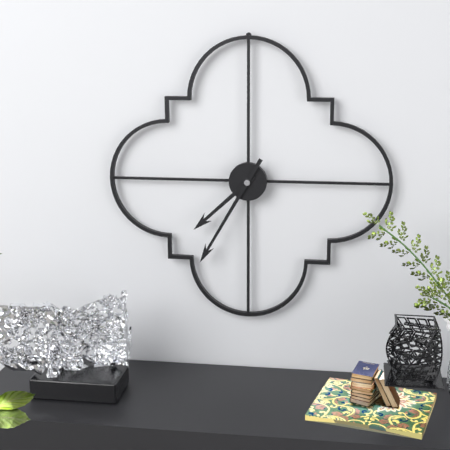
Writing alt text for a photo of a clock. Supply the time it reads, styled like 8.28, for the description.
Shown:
7.35
